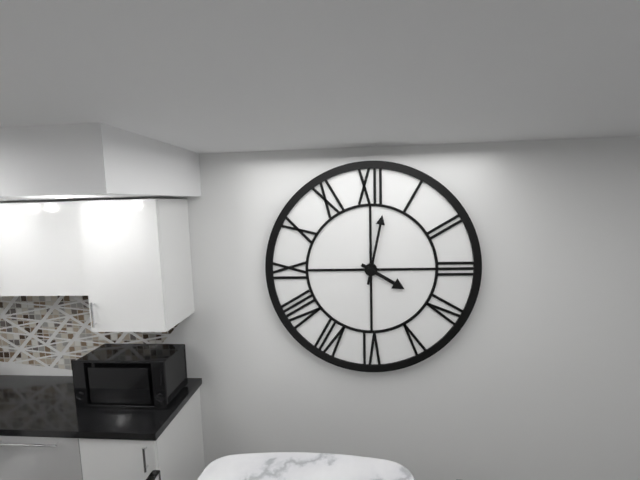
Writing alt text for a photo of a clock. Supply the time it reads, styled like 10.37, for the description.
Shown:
4.02
